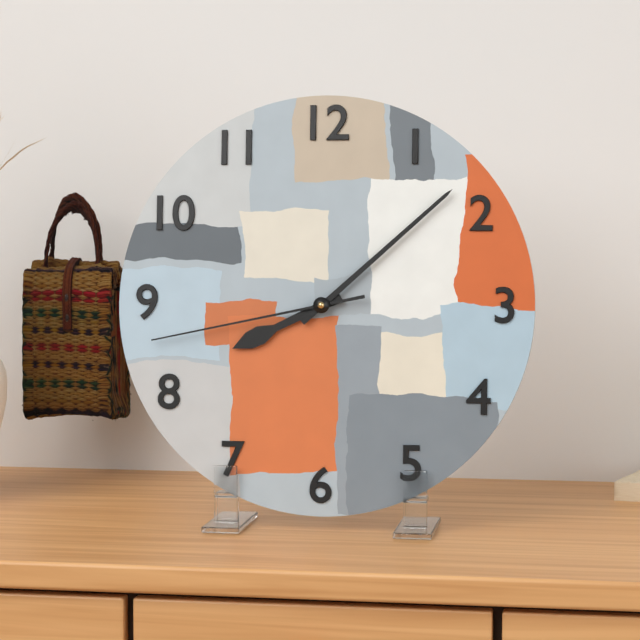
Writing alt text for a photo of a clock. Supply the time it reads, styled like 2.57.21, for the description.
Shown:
8.08.43
